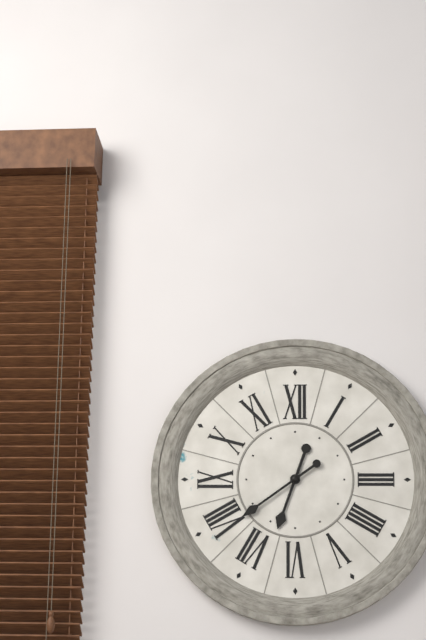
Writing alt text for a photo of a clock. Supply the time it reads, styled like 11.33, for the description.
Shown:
6.39
